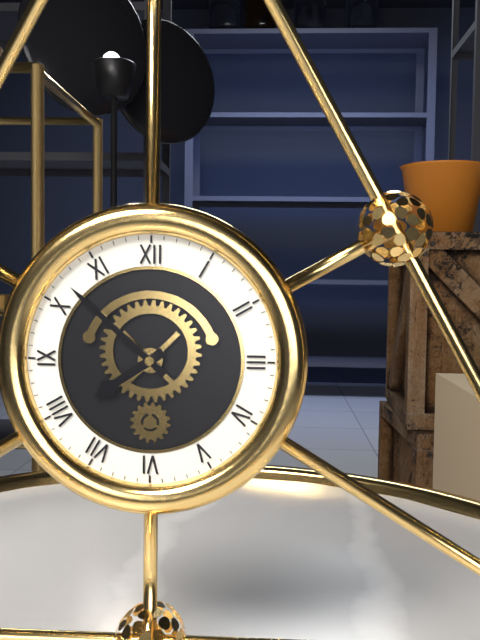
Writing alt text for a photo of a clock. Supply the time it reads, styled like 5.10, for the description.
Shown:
7.52
